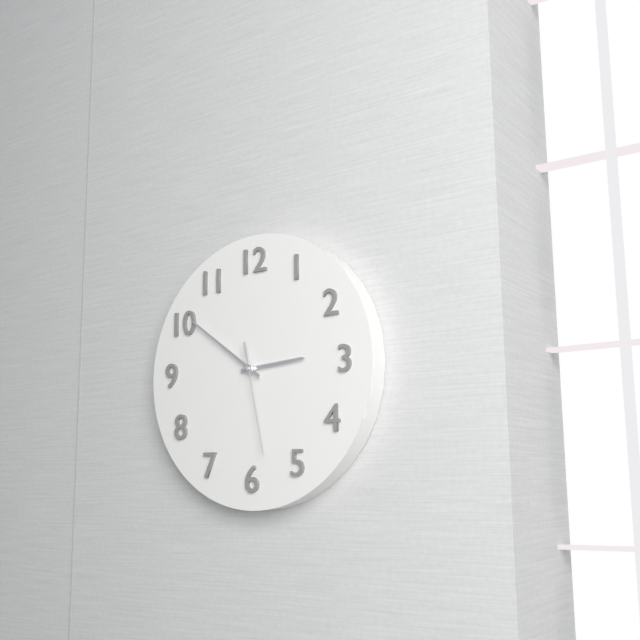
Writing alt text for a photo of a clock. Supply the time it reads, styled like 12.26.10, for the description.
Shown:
2.51.28
